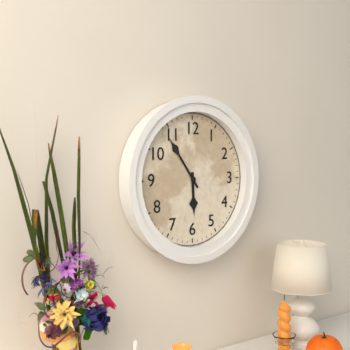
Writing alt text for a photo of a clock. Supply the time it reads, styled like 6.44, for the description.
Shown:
5.54
